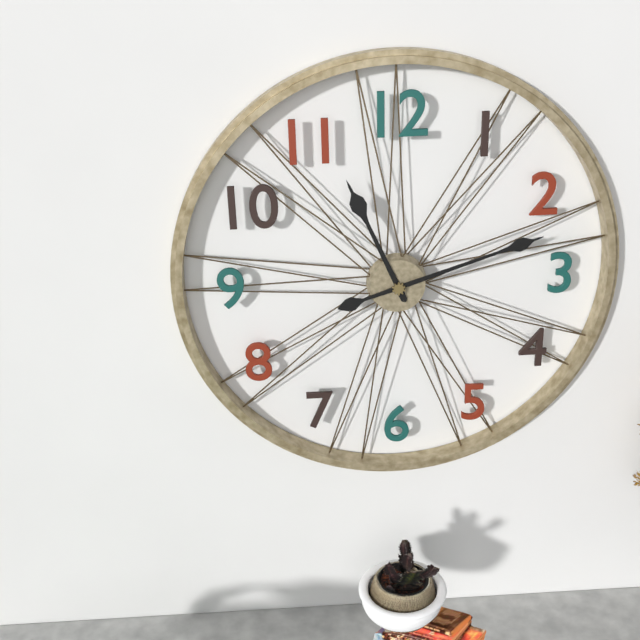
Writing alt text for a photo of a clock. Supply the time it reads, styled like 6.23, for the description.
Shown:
11.12
